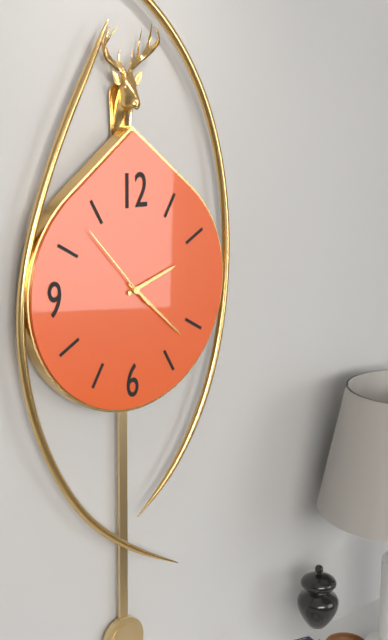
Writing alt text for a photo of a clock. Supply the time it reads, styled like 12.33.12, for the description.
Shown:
2.22.53
